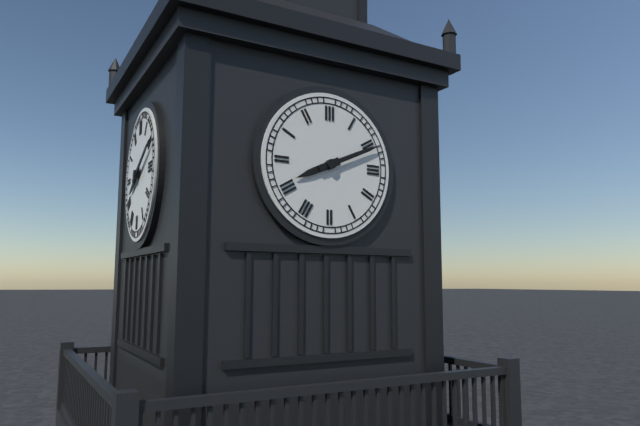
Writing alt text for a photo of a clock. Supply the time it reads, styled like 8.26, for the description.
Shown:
8.11
